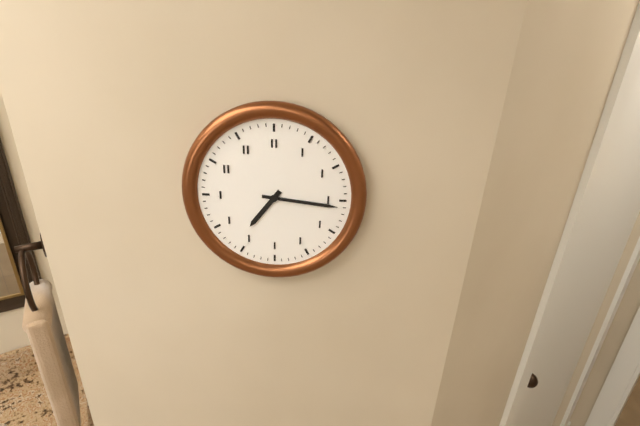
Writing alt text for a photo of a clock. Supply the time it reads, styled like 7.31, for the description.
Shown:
7.16
